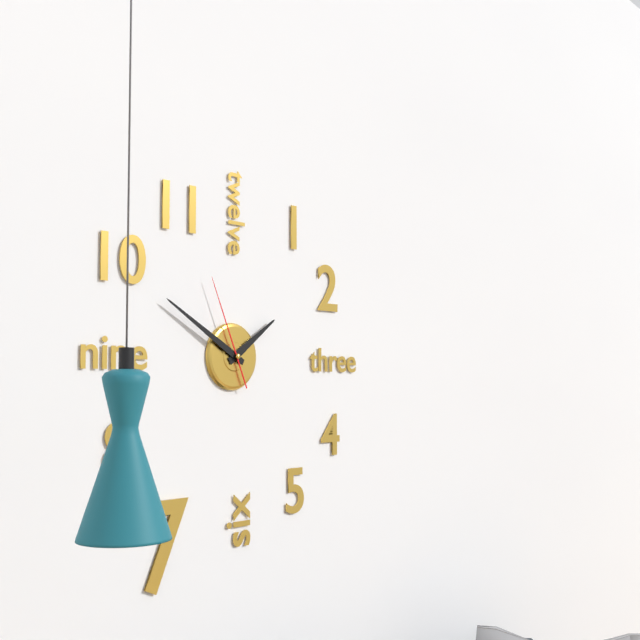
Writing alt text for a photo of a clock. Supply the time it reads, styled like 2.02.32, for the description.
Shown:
1.50.56
